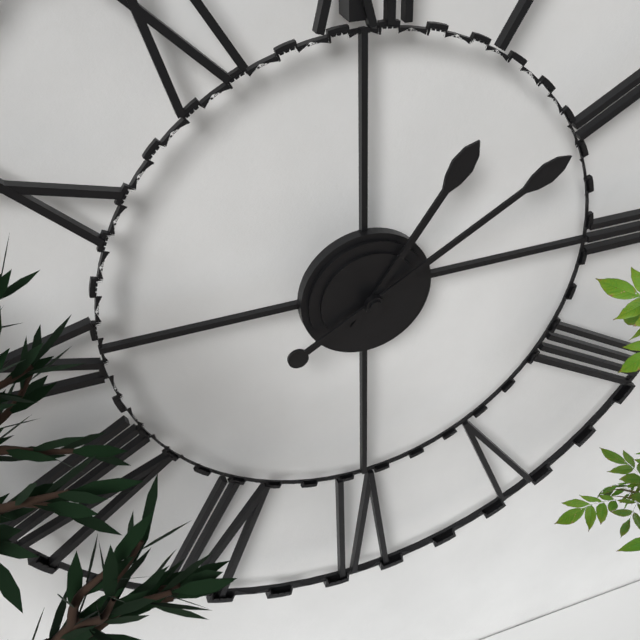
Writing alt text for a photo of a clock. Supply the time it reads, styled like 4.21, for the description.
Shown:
1.10
